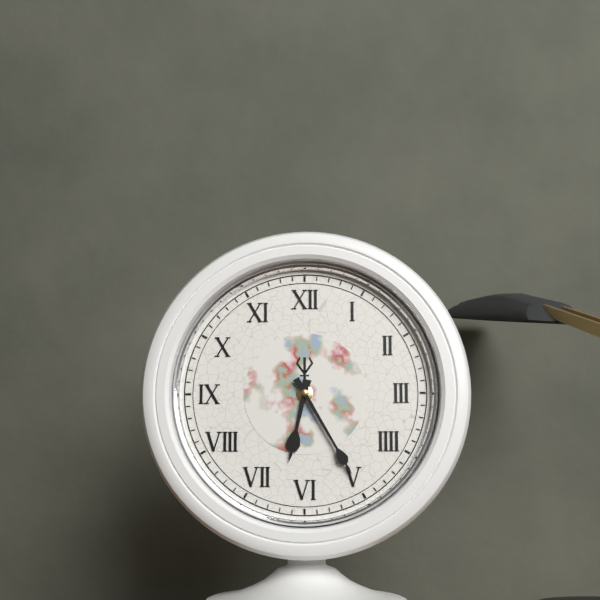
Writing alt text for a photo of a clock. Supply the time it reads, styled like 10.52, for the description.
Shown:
6.25
